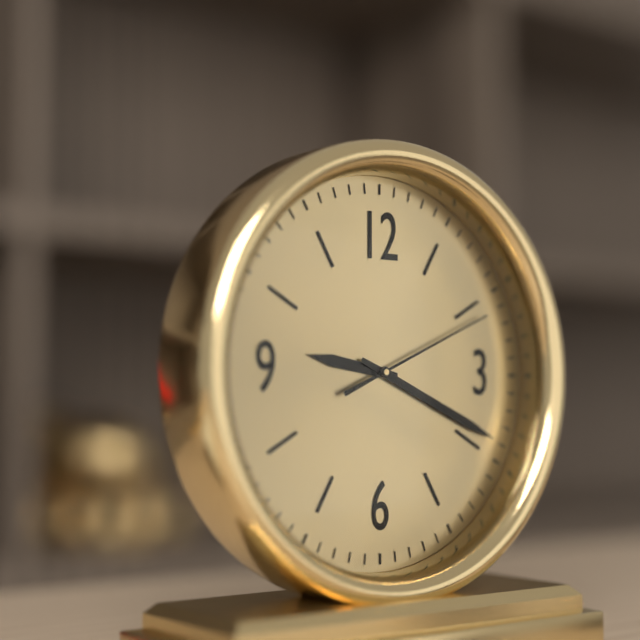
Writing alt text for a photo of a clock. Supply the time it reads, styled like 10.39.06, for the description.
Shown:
9.19.11
